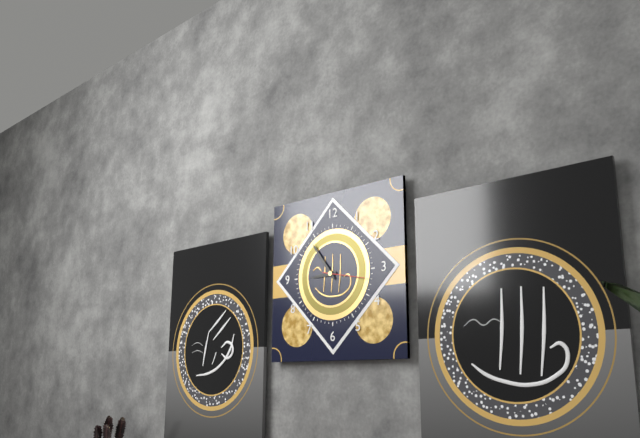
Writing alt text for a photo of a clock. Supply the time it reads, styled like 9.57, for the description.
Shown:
8.54
